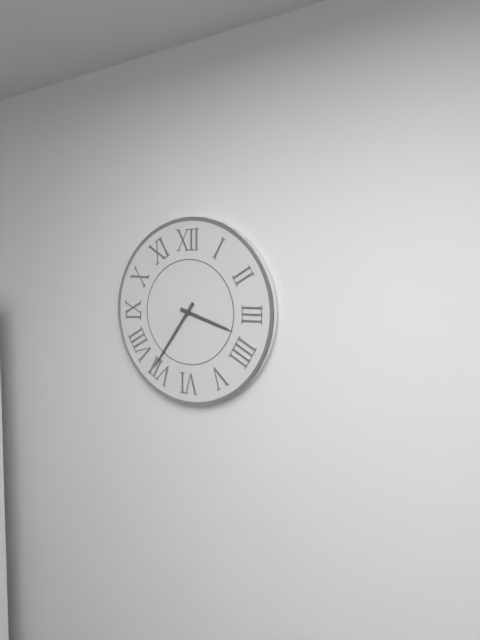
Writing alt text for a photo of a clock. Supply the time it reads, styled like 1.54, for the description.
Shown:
3.36
